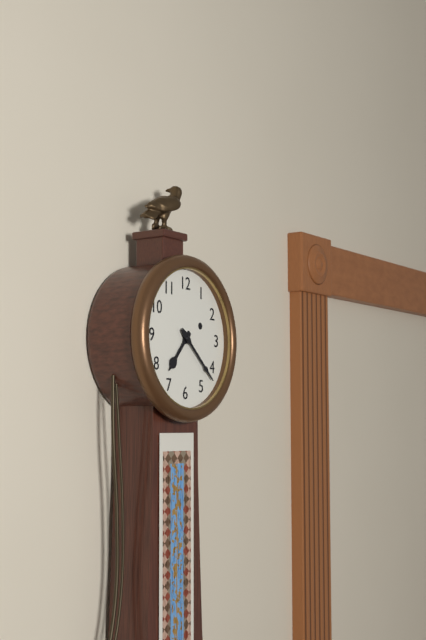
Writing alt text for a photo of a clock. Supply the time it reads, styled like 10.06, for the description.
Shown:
7.22
